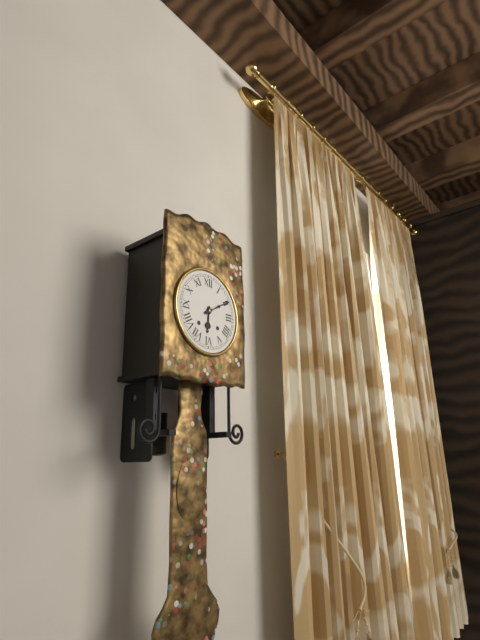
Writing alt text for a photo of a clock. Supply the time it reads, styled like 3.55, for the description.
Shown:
6.10
